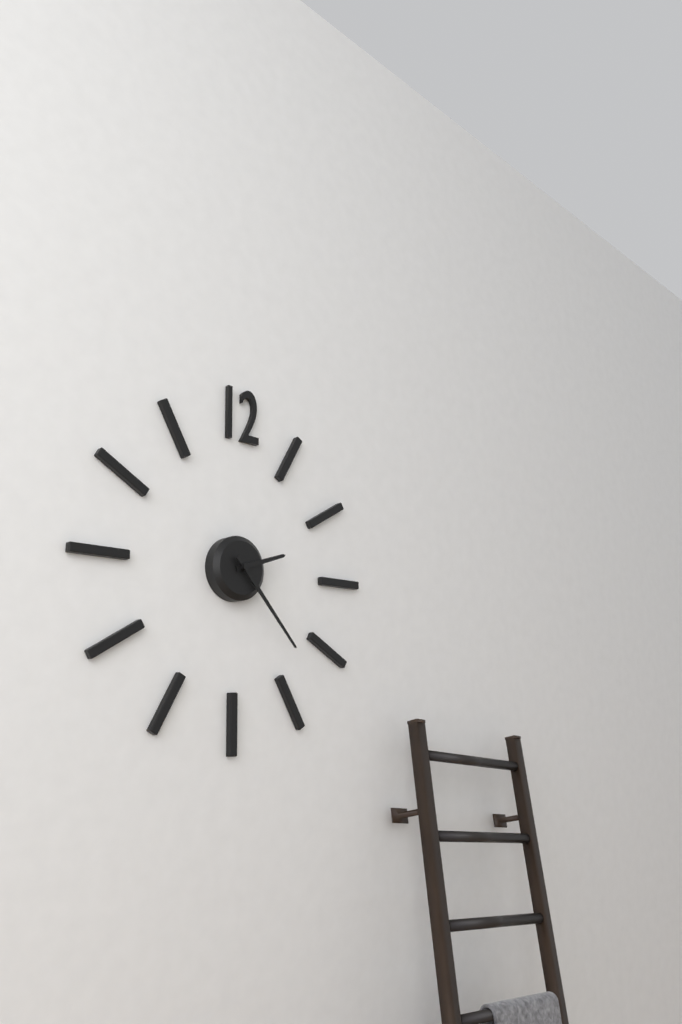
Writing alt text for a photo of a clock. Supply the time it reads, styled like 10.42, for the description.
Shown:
2.23
